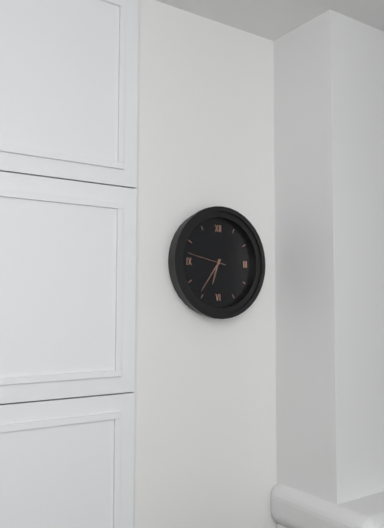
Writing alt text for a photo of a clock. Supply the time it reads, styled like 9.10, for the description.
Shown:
6.36
